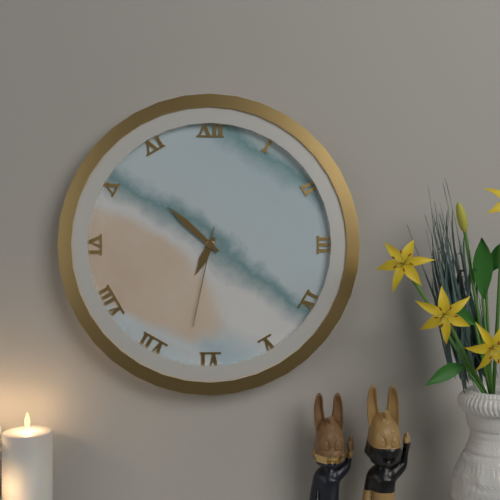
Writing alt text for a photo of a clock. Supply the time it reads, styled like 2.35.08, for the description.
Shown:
6.52.32
